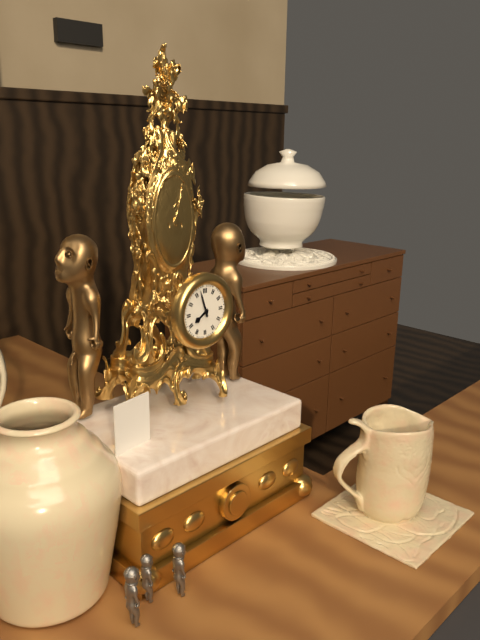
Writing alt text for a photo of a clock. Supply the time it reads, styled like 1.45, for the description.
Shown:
7.57
